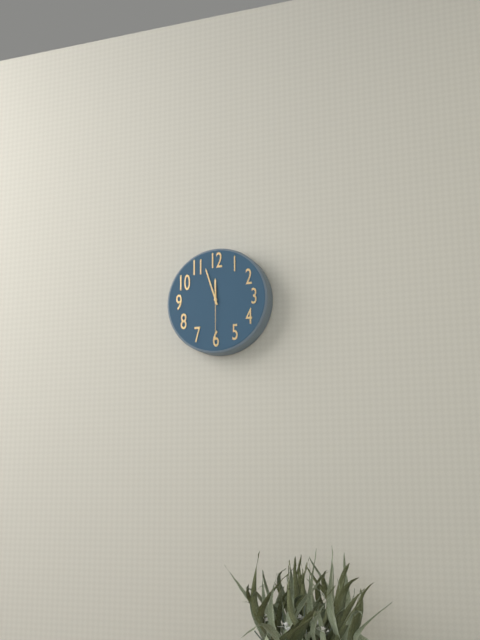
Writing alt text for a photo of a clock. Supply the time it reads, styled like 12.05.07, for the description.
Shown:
11.57.30
